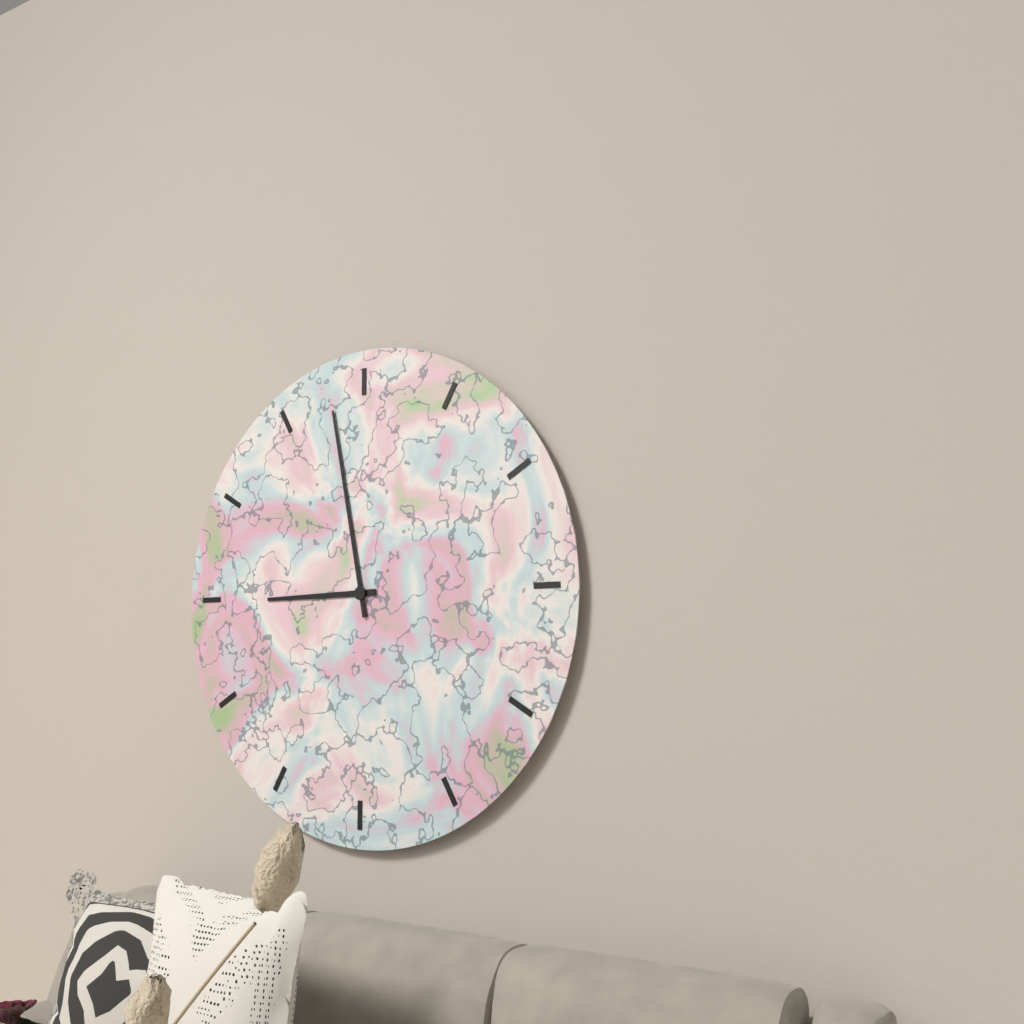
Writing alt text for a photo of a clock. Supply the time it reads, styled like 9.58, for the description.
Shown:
8.58
